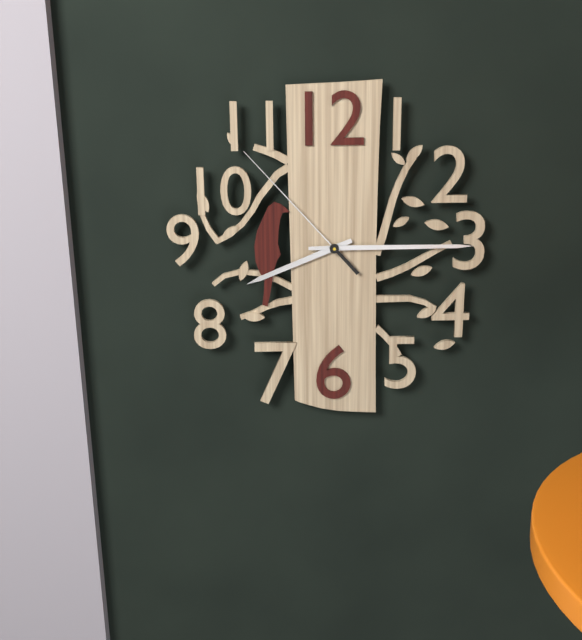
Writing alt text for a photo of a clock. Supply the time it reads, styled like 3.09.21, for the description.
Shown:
8.15.53
